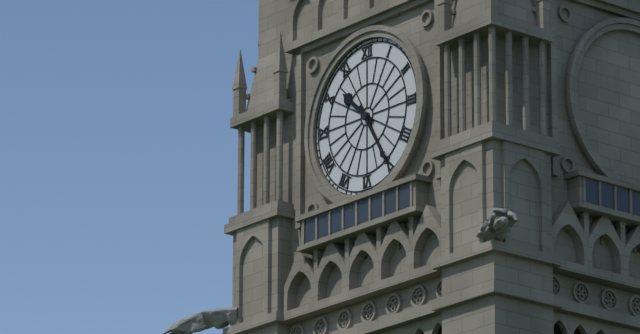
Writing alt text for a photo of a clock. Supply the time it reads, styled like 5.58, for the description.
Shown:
10.25
